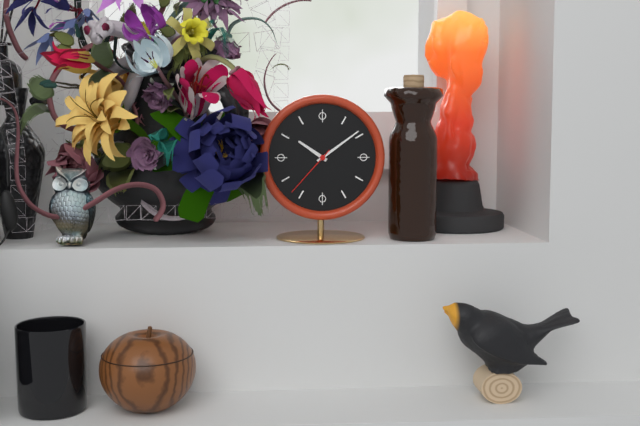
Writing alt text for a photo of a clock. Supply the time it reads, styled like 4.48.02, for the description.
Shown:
10.09.37
